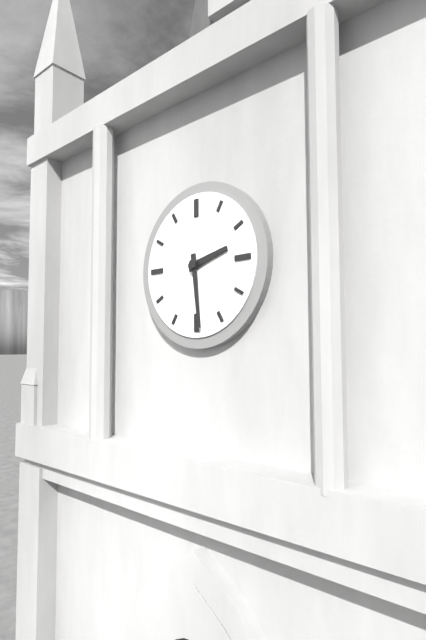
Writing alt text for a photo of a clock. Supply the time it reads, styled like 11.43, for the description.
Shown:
2.29
